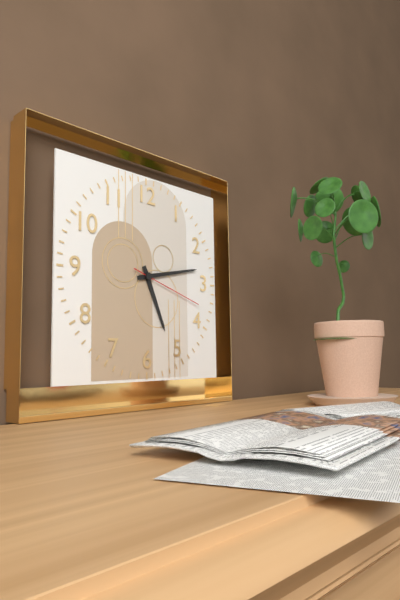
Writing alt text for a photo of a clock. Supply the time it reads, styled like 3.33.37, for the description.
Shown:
5.13.18
